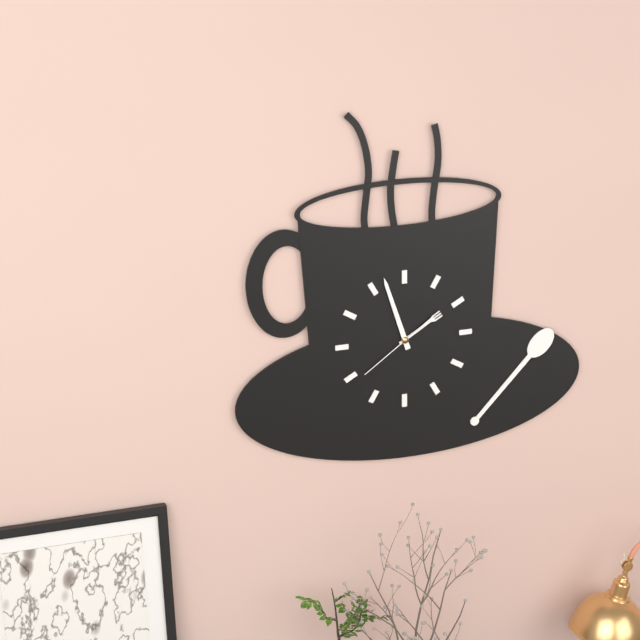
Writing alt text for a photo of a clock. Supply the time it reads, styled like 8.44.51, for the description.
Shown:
1.57.39
